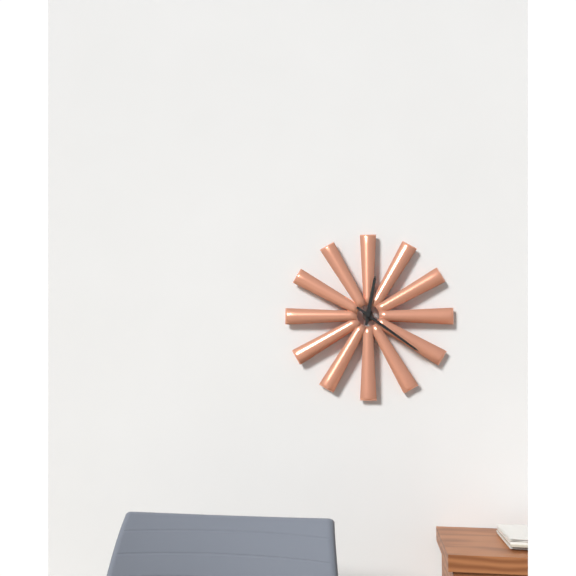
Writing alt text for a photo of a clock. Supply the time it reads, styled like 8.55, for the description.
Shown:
12.21
